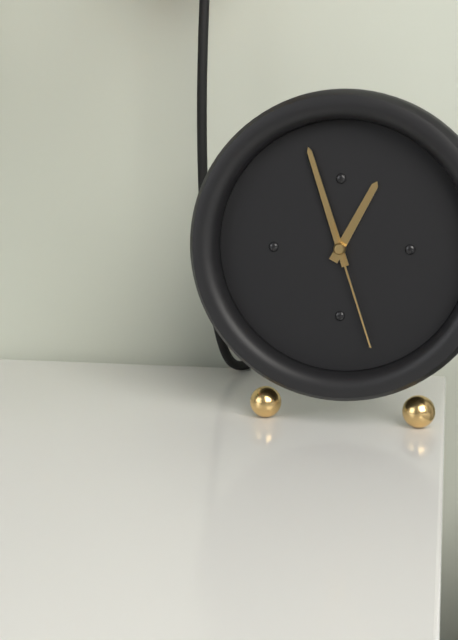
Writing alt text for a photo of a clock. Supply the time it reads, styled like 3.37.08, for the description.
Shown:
12.57.27
